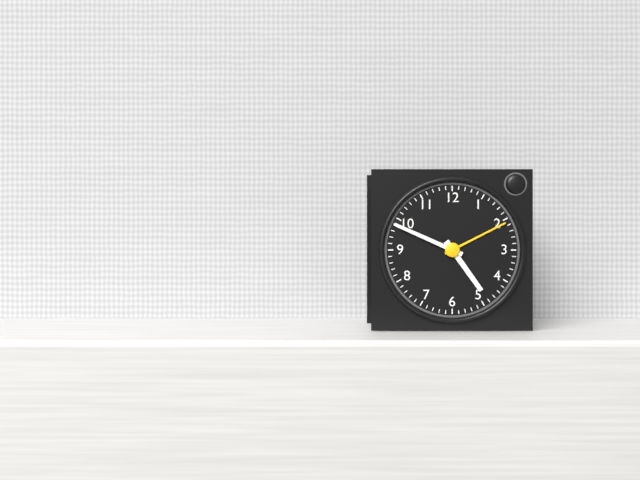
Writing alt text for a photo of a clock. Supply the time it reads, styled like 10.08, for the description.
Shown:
4.49
